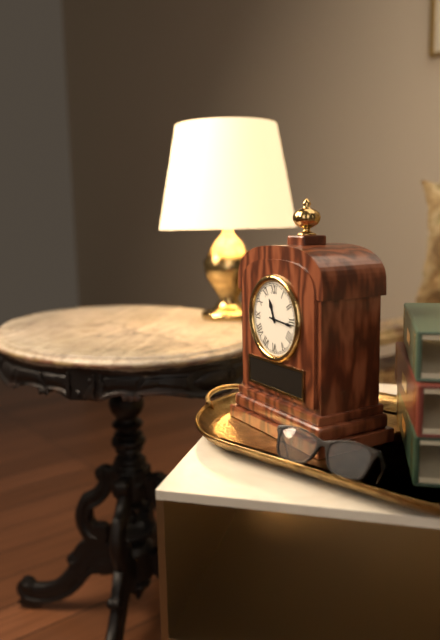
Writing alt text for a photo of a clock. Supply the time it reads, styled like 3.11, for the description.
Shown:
11.16
